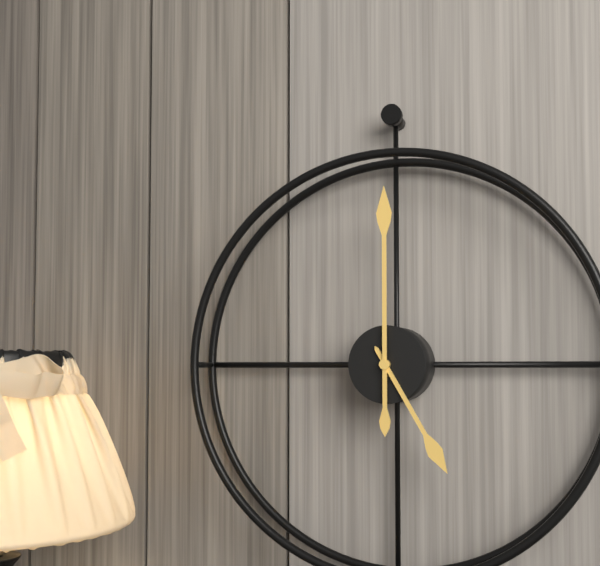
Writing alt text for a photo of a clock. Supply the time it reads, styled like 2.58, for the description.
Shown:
5.00
